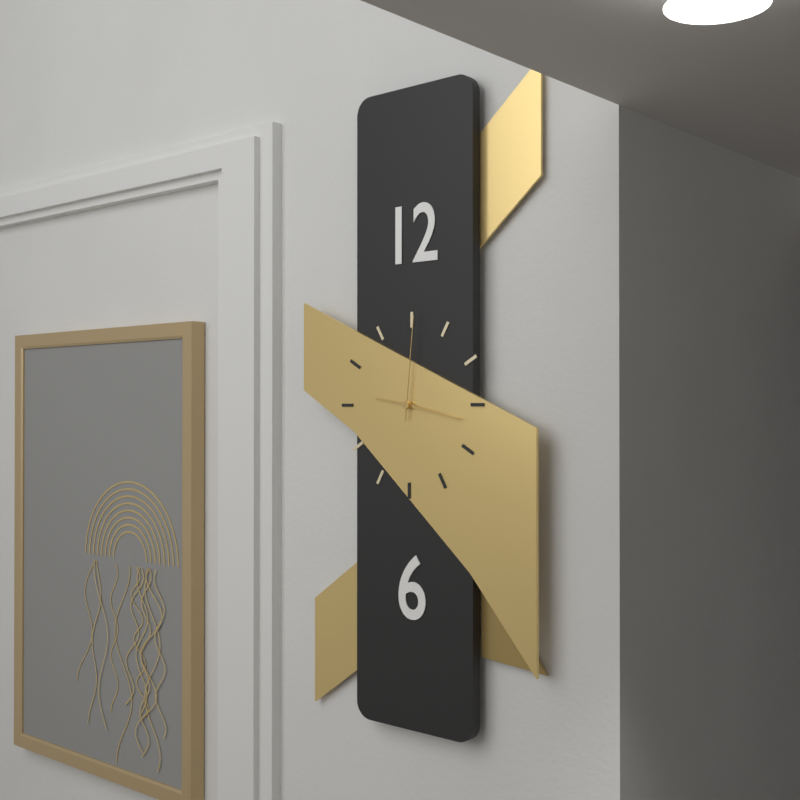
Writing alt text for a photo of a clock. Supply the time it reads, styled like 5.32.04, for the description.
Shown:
9.17.01
